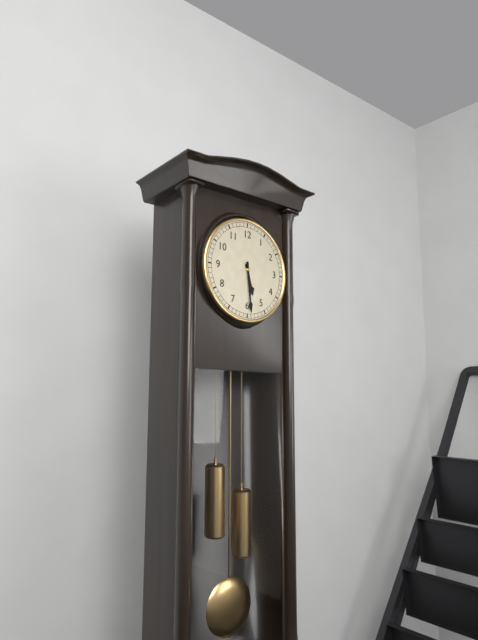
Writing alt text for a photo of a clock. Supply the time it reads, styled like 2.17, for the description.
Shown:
5.29
